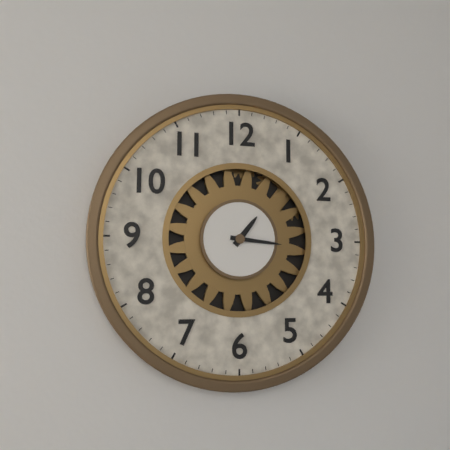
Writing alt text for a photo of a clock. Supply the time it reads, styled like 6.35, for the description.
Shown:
1.16
